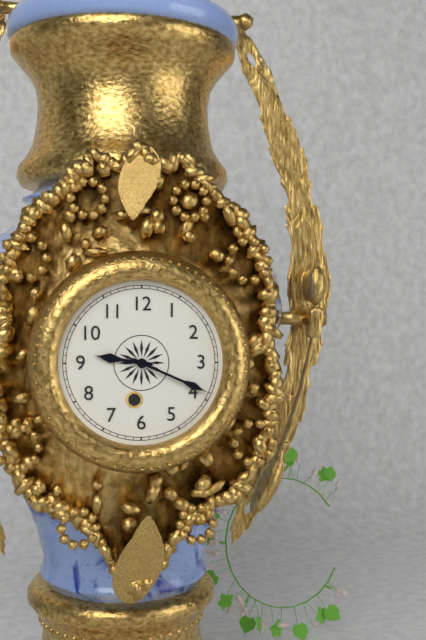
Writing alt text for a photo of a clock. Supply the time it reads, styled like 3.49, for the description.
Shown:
9.19
